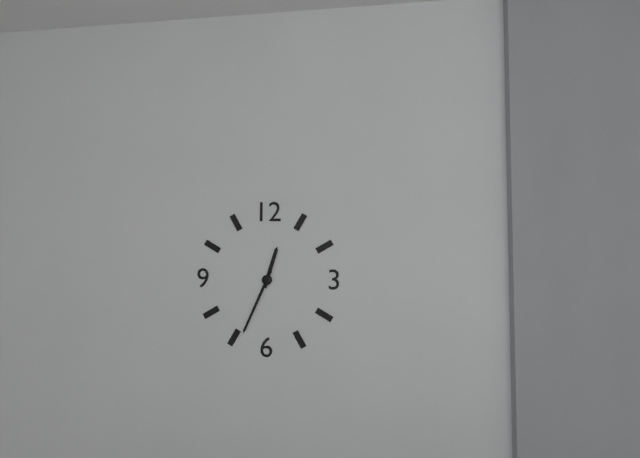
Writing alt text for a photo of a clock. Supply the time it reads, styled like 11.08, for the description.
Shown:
12.34
